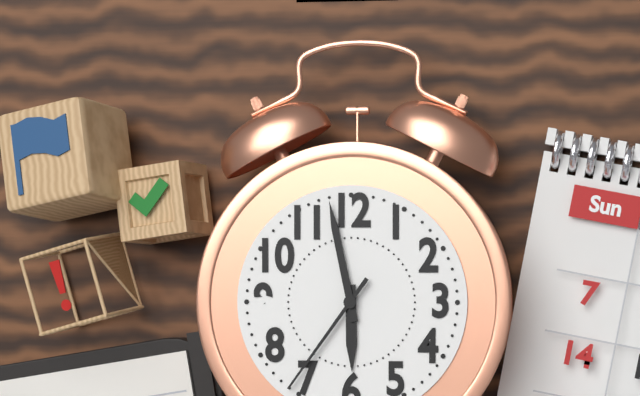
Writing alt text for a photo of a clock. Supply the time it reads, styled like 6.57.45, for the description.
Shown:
5.58.36
